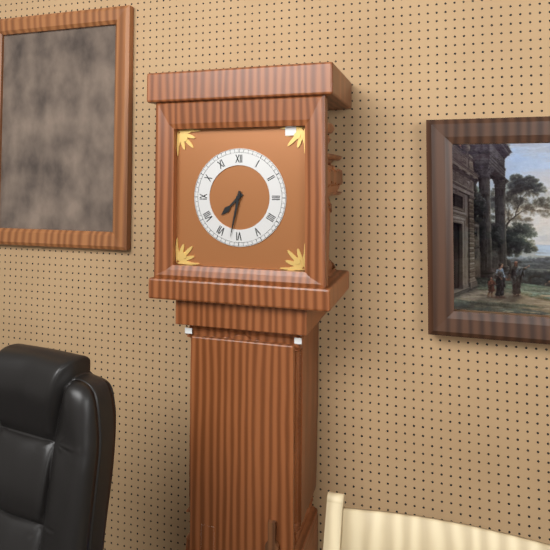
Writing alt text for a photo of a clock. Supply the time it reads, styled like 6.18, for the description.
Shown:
7.32
